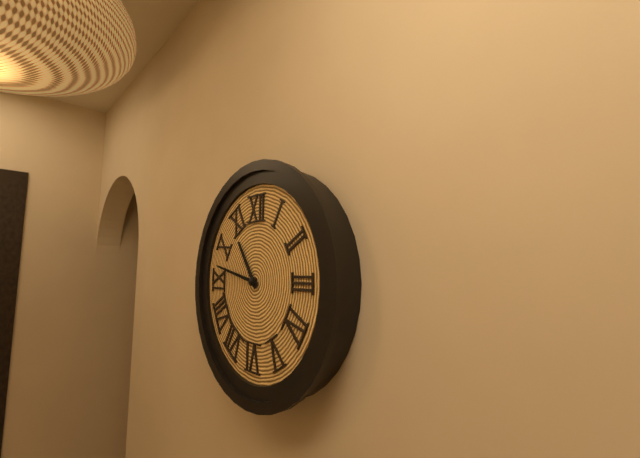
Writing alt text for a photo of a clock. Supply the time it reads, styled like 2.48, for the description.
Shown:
10.47
